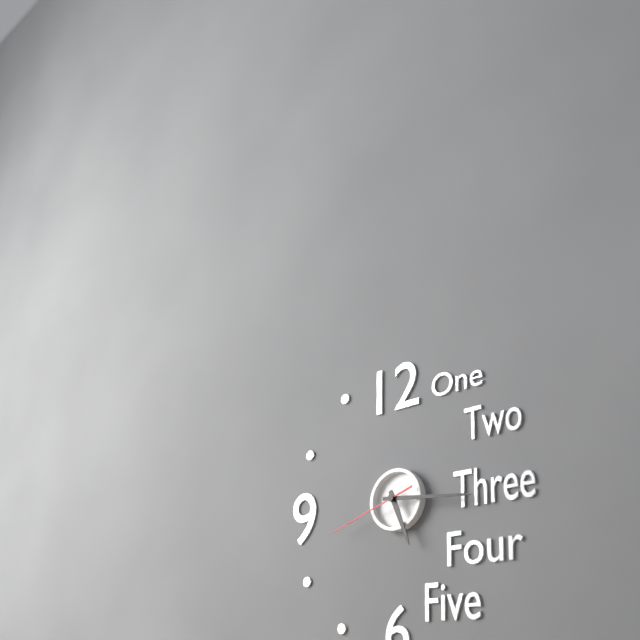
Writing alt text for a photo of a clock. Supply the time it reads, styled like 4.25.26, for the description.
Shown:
5.16.42
